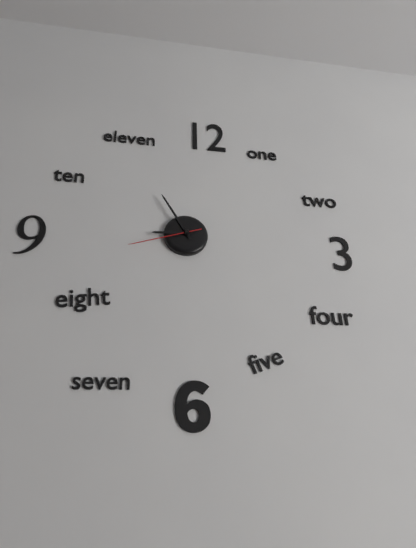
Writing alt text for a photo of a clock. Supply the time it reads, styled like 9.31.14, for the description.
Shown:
8.55.42
